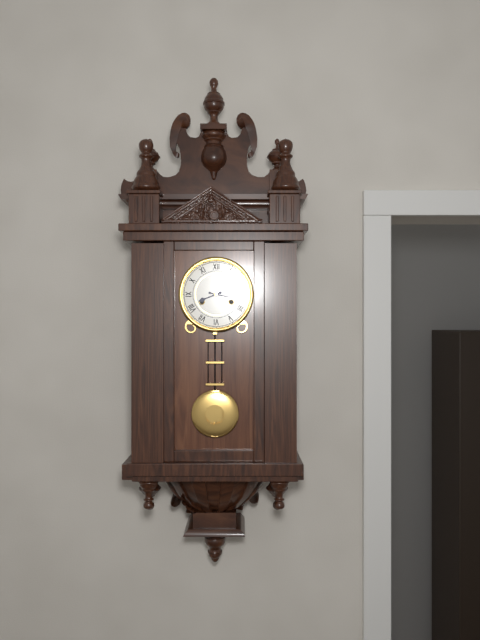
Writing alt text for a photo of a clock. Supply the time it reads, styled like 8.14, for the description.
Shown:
8.17
